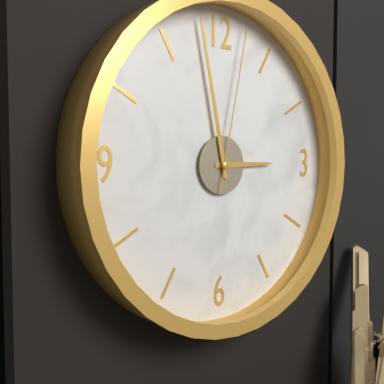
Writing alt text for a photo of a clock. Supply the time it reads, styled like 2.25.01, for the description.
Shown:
2.58.02
